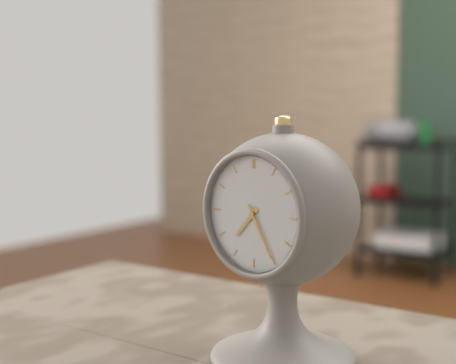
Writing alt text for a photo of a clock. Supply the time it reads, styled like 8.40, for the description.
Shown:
7.25
